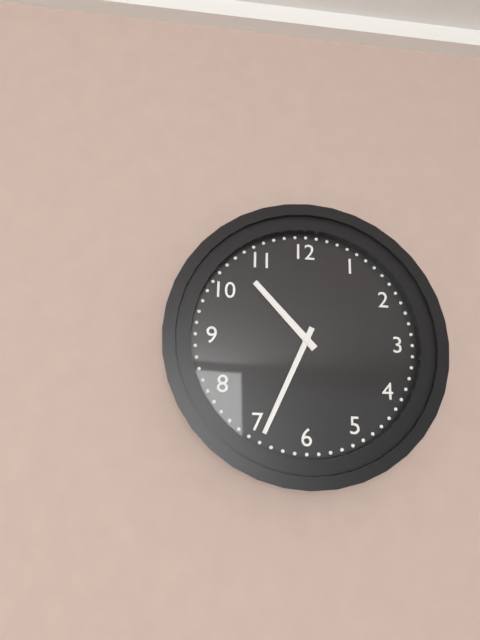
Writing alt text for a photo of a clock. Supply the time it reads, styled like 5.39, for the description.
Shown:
10.34
